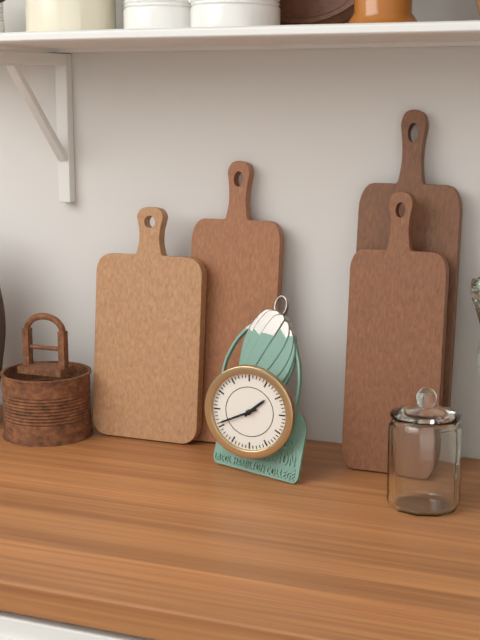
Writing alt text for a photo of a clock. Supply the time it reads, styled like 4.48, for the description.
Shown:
1.41
